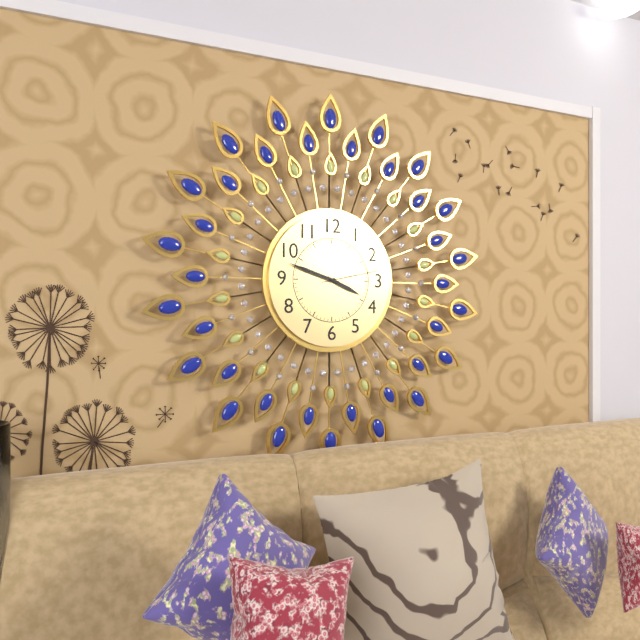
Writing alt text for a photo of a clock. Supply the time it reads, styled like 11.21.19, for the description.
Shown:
3.48.13
